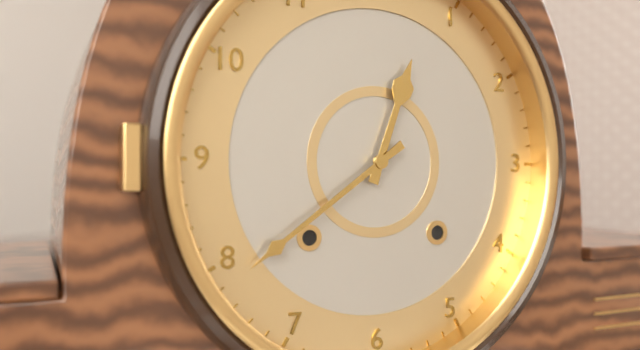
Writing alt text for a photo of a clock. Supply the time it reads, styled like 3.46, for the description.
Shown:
12.39
